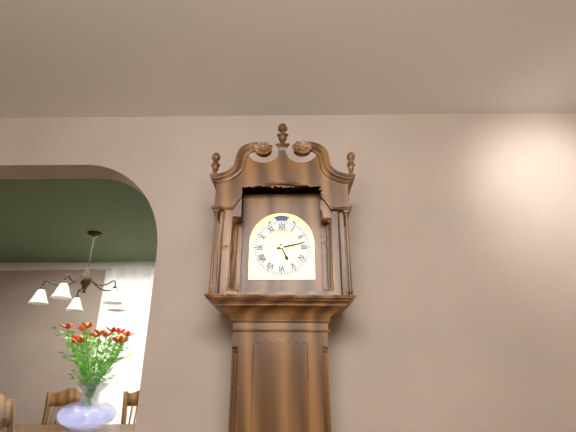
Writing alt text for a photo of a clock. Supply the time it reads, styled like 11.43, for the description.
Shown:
5.13
